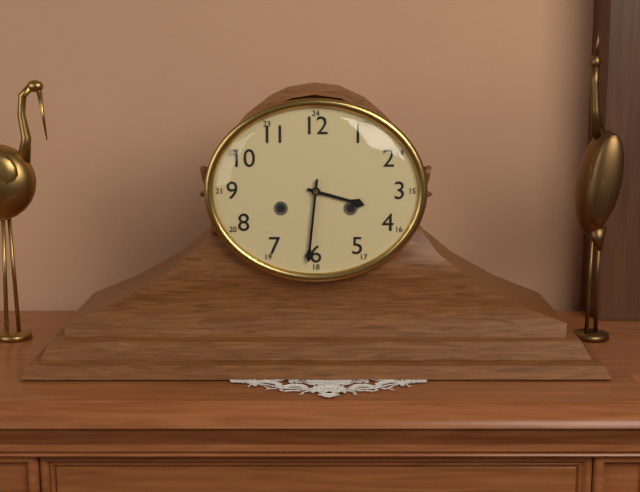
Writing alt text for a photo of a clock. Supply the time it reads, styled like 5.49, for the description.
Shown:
3.31
